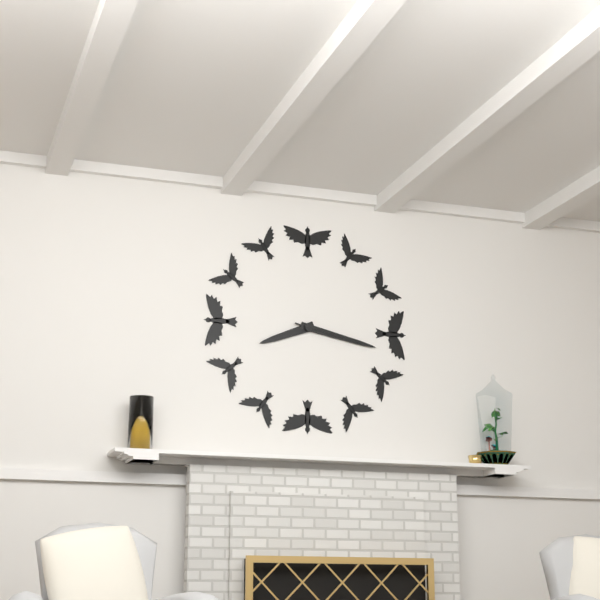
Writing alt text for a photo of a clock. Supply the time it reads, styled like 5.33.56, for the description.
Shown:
8.17.17
